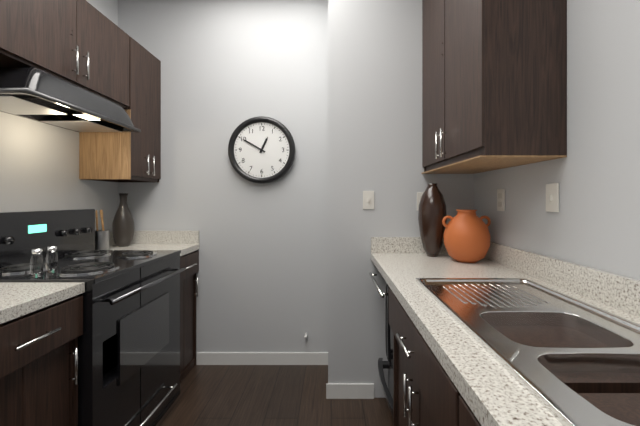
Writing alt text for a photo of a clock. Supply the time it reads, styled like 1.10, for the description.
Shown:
12.50
